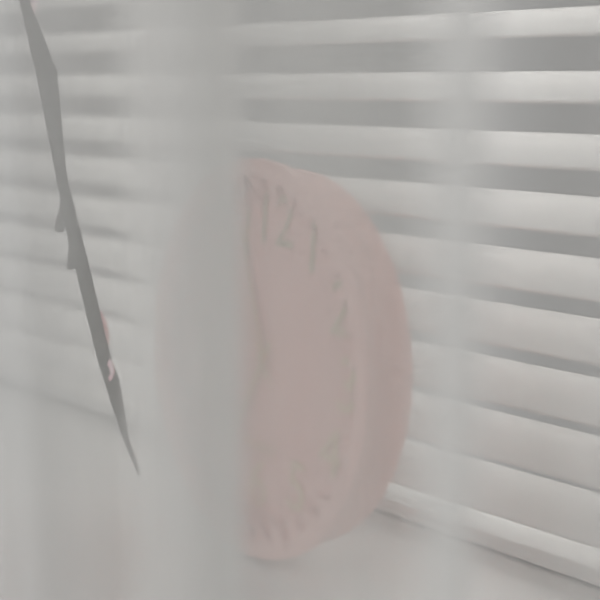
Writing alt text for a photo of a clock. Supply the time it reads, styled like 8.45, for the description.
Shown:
6.56
